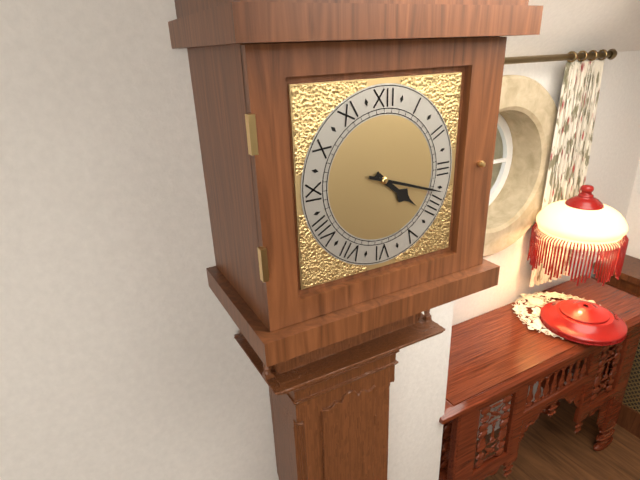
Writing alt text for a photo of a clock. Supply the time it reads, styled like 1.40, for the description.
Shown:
4.18
